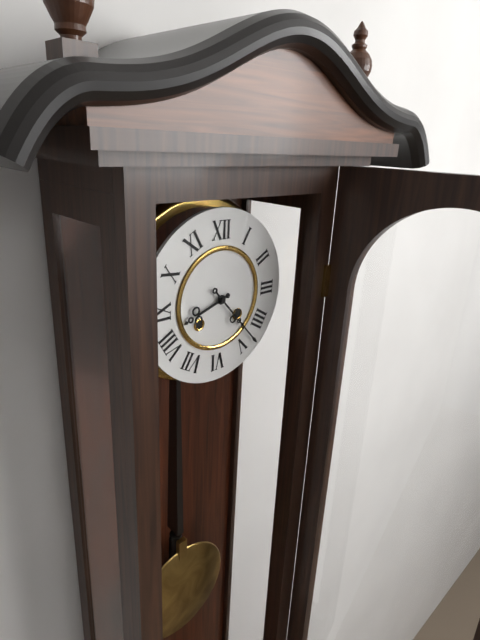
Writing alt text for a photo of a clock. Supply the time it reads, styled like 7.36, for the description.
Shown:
8.23
